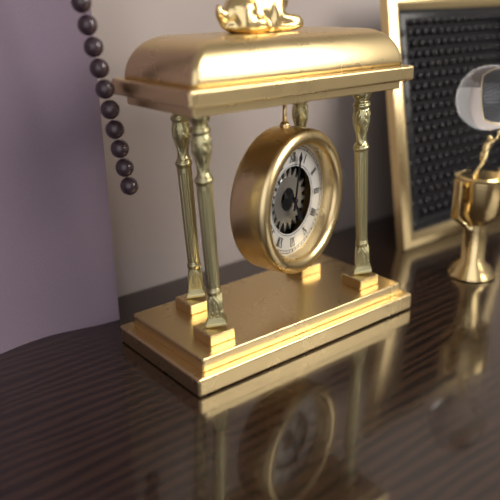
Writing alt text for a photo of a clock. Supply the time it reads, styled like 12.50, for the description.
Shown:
5.02
